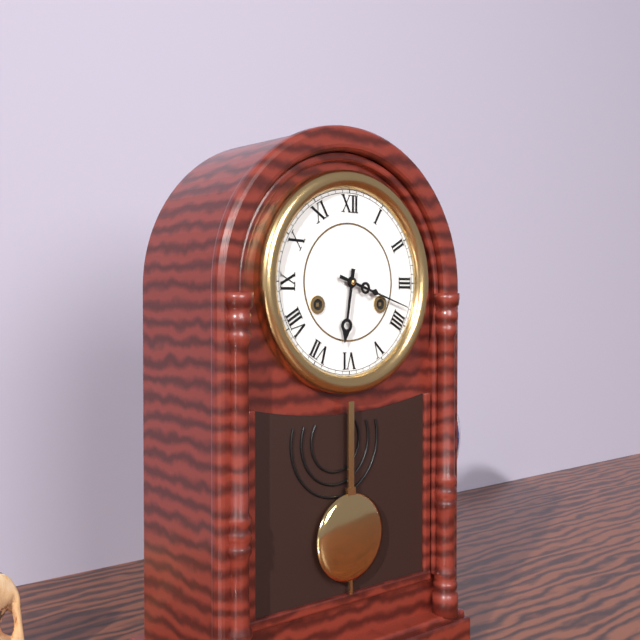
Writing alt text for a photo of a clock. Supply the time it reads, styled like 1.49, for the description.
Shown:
6.18
